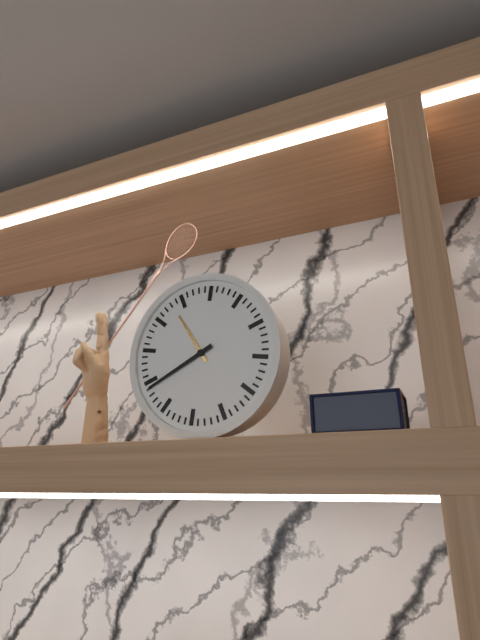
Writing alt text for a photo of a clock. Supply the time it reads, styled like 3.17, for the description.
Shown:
10.39
